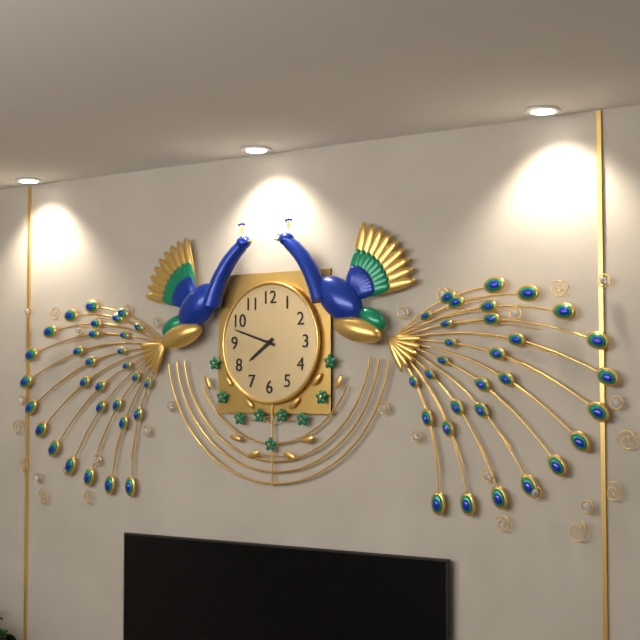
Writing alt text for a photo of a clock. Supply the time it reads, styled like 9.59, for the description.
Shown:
7.48
